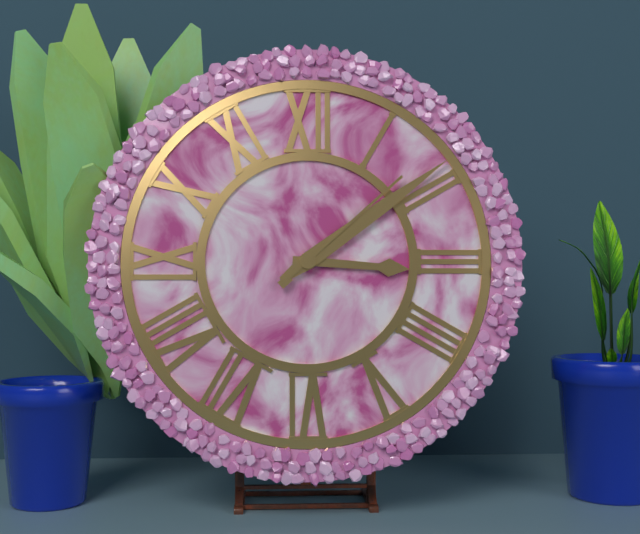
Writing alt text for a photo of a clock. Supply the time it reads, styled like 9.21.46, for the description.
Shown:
3.09.08
